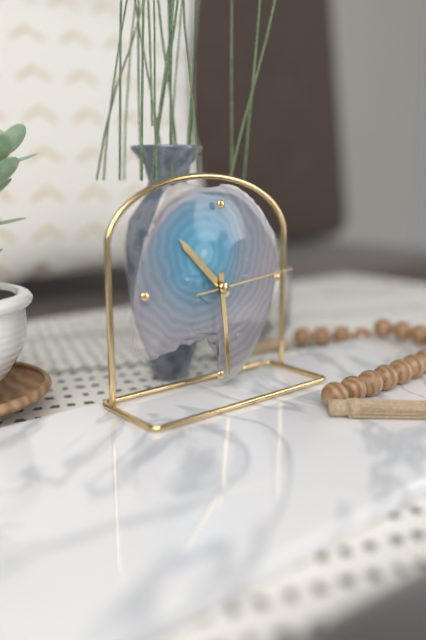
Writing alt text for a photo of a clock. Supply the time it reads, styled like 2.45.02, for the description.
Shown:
10.29.14
